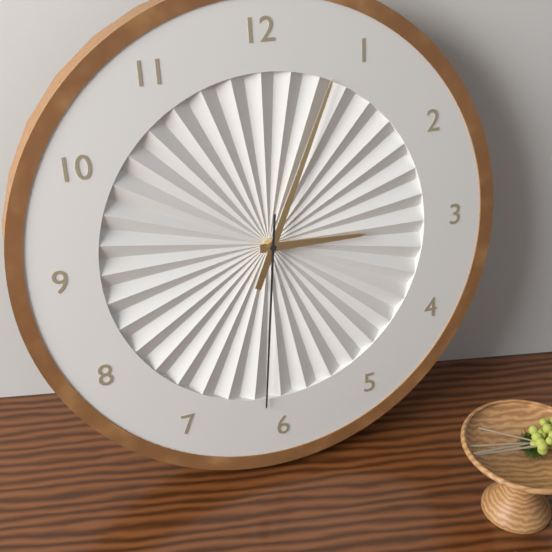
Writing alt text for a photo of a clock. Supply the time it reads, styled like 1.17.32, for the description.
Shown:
3.04.31
